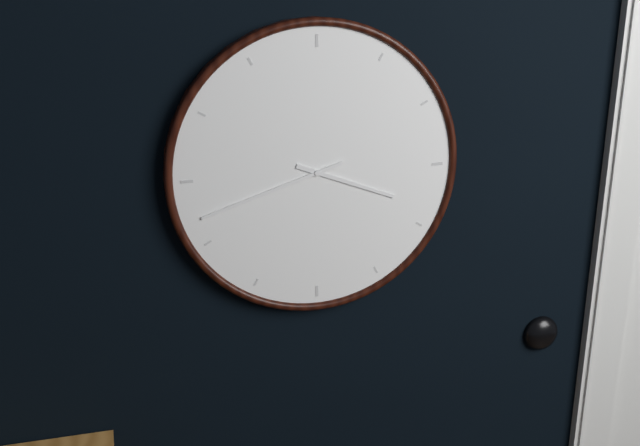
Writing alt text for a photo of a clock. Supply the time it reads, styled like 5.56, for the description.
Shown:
3.42
